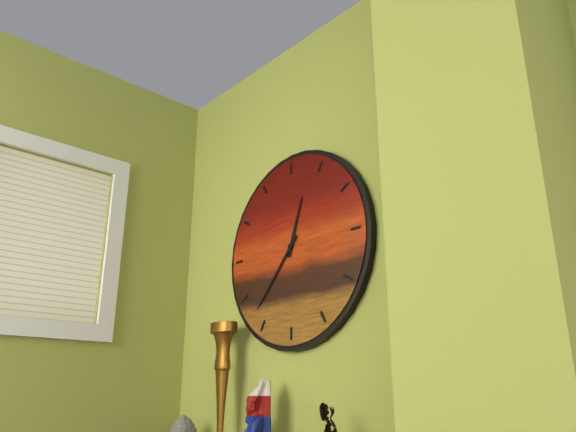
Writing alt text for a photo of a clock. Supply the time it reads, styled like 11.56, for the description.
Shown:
12.37
